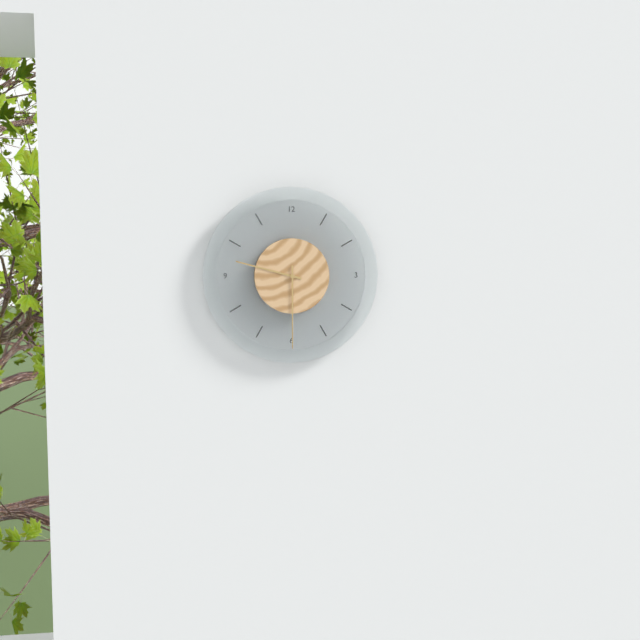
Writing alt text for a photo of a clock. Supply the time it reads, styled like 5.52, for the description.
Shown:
9.30
